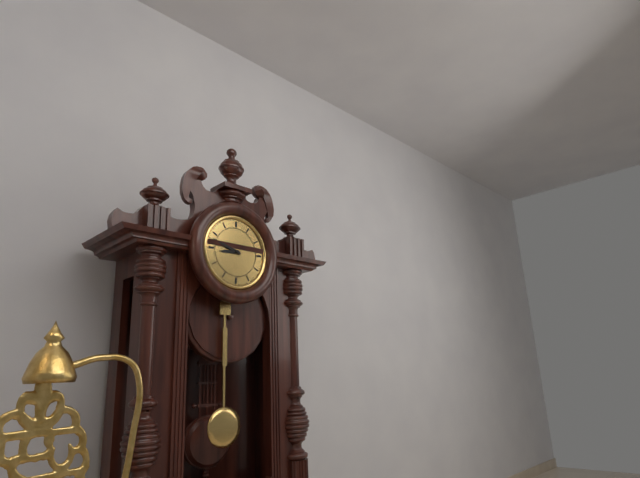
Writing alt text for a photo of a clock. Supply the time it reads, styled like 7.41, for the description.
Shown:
8.48
